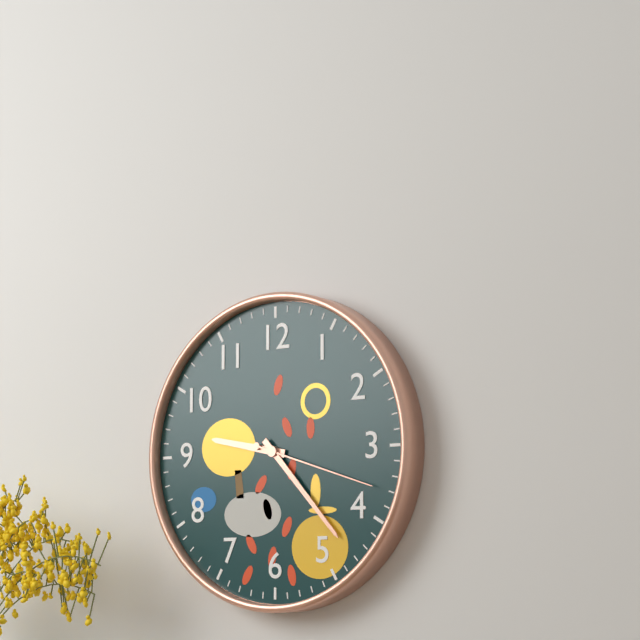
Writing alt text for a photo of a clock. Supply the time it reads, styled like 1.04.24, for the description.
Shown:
9.23.18
